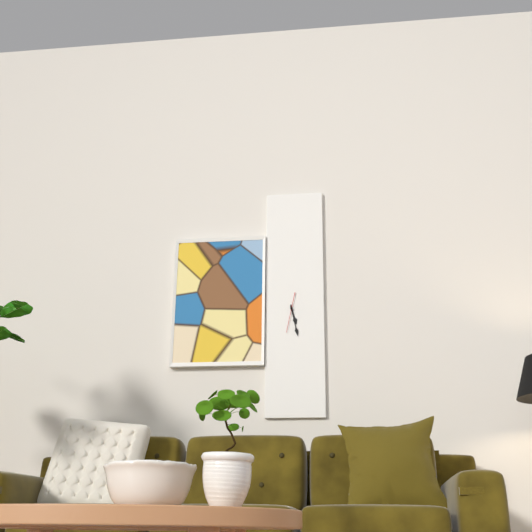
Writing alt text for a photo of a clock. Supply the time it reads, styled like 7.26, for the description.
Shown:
5.28
